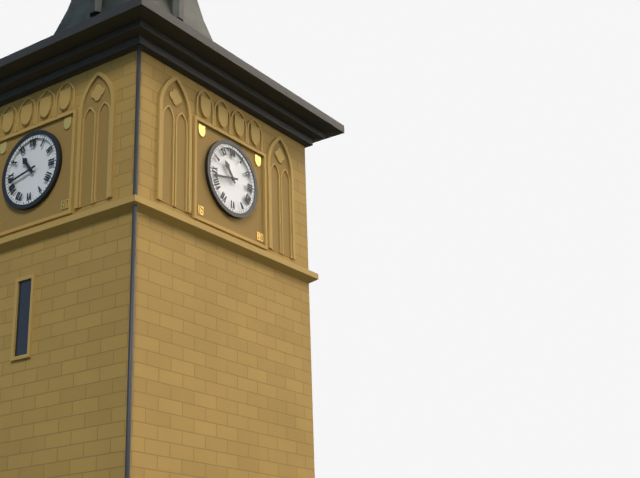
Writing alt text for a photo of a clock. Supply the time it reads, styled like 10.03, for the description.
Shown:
10.43
